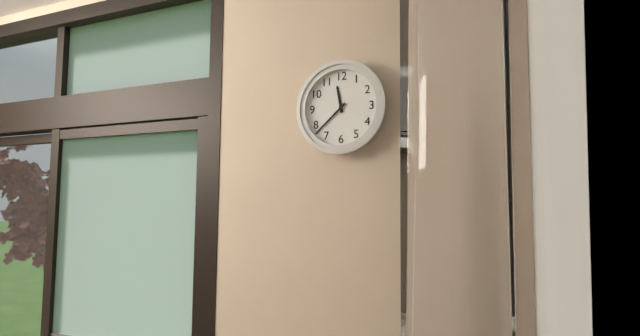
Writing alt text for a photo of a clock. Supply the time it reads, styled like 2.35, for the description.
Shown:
11.38
